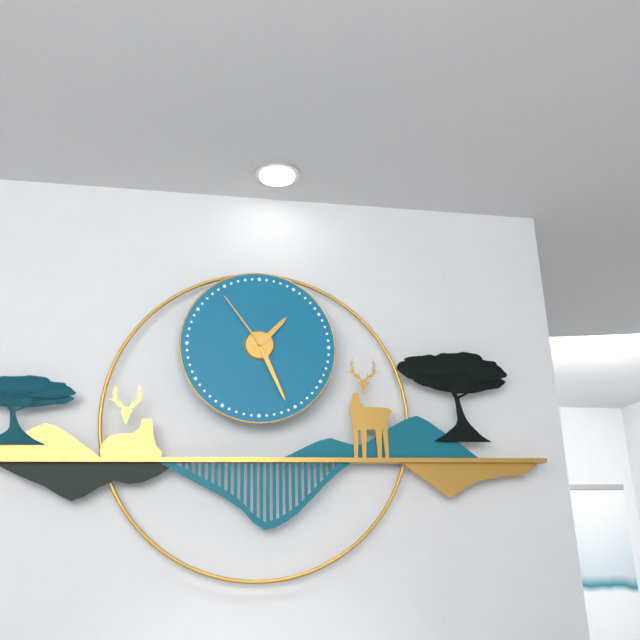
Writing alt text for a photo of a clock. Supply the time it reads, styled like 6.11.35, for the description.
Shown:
1.26.54
